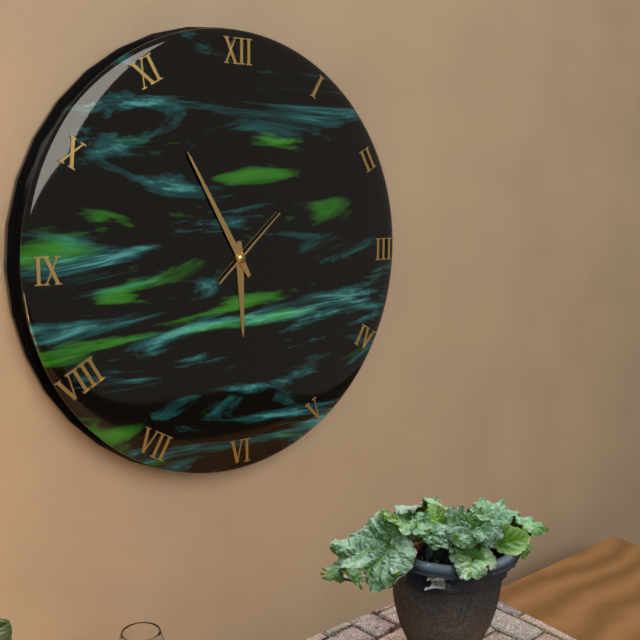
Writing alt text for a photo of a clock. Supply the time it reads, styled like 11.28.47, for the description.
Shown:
5.55.08
